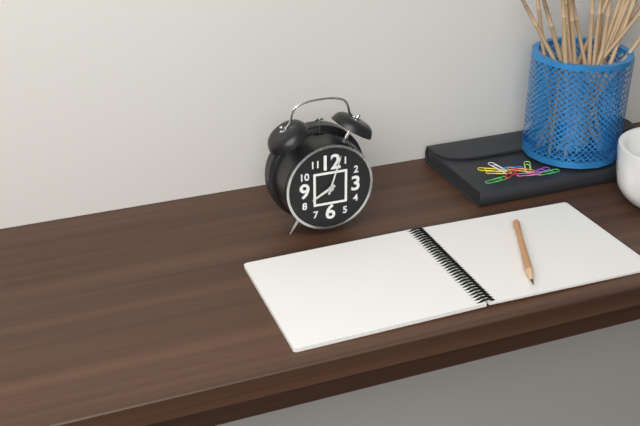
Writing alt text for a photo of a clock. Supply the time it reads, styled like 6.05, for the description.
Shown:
8.03
